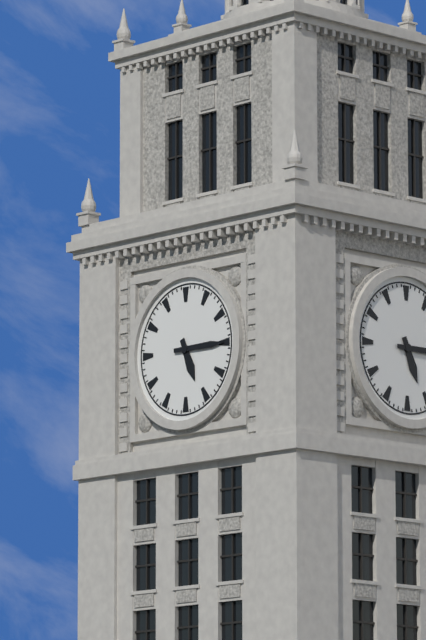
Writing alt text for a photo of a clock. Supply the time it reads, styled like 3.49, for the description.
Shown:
5.15
